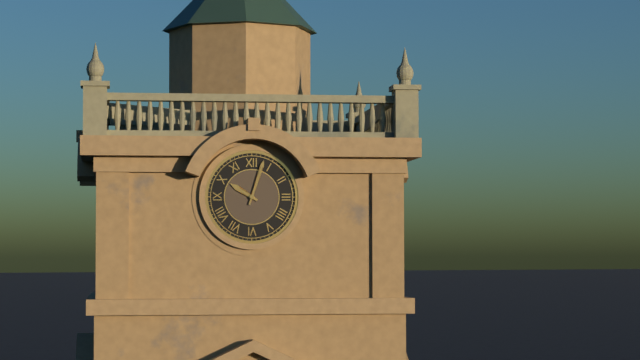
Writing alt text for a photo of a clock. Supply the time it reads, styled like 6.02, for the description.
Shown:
10.03
